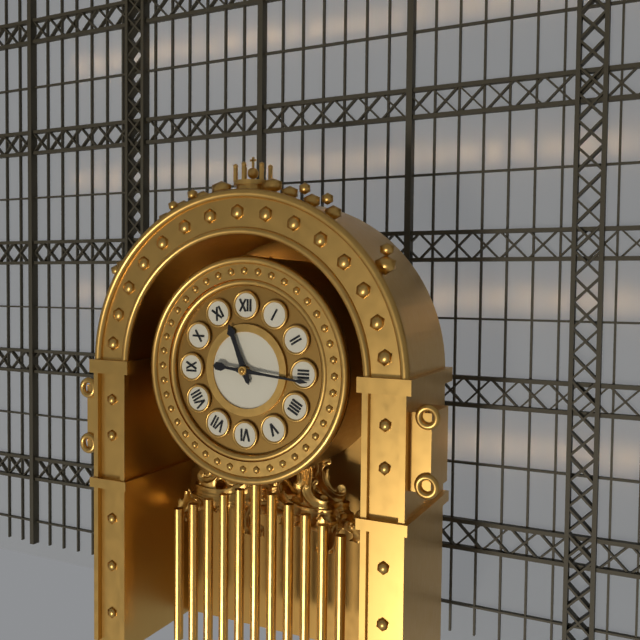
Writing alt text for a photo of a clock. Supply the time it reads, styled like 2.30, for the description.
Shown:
11.16
